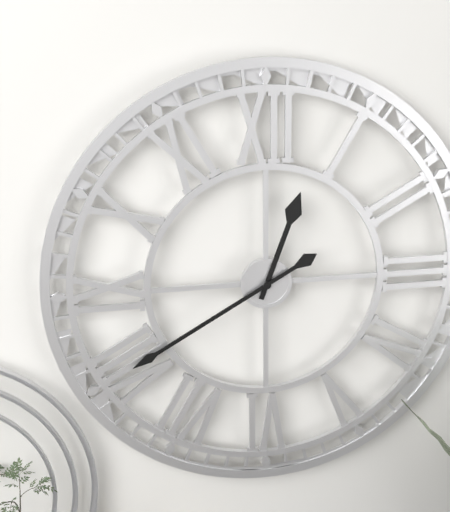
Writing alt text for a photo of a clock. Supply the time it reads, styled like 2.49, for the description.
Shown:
12.40
